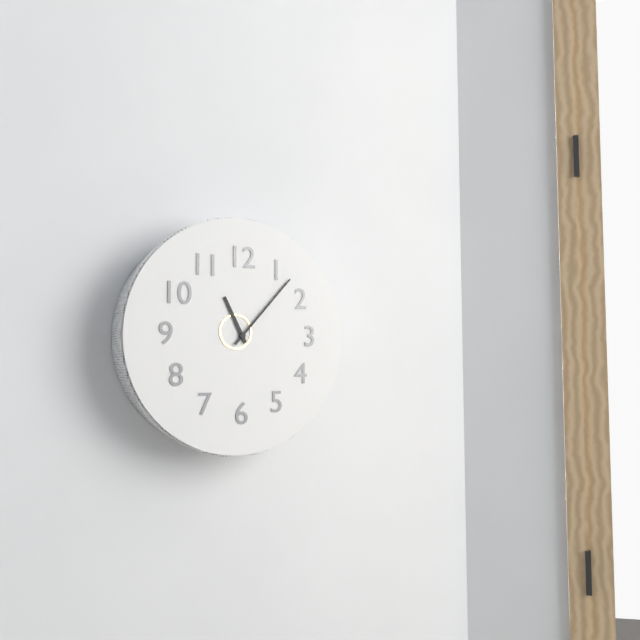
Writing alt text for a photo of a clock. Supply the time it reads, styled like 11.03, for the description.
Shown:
11.07
